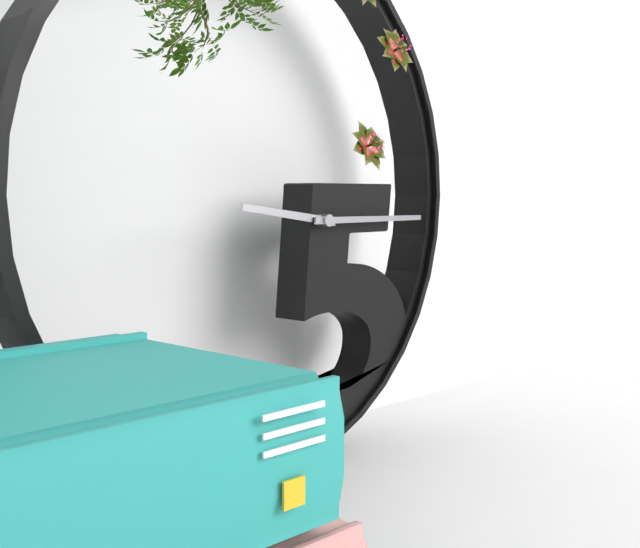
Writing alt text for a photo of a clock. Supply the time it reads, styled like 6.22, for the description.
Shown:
9.15
